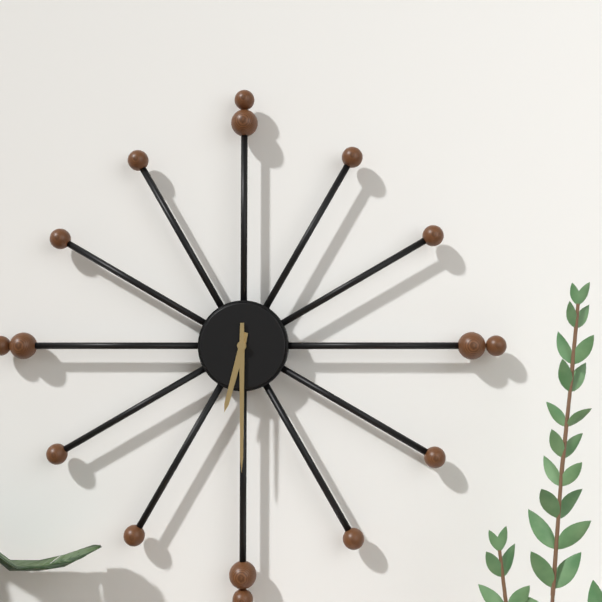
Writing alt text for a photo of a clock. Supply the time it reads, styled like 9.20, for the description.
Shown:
6.30
